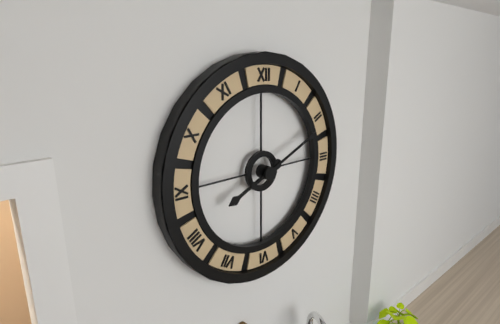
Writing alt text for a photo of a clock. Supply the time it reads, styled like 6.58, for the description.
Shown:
8.11
